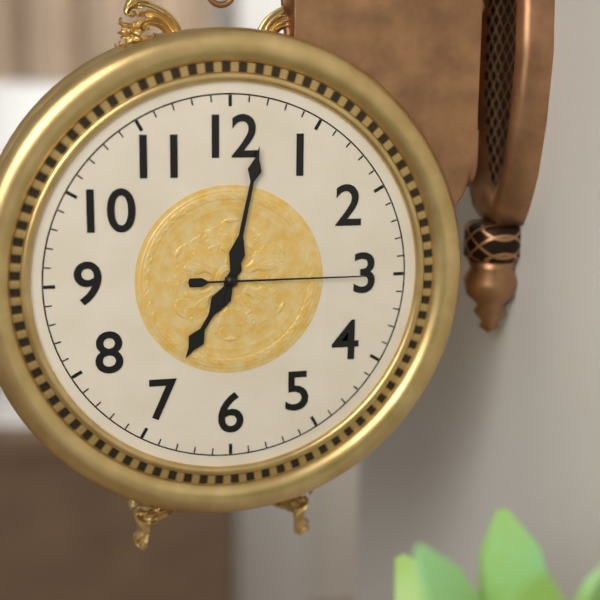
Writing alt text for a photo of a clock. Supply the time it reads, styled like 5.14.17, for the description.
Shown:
7.02.15
